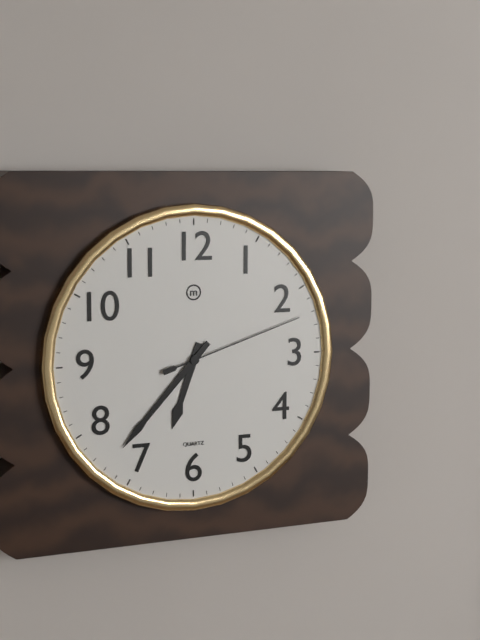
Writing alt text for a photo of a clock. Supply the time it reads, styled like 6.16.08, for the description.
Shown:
6.37.12
